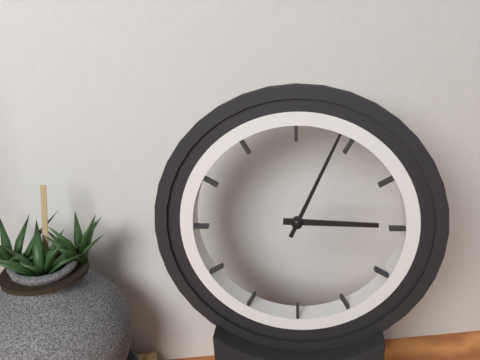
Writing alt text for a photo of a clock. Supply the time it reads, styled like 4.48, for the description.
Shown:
3.04
